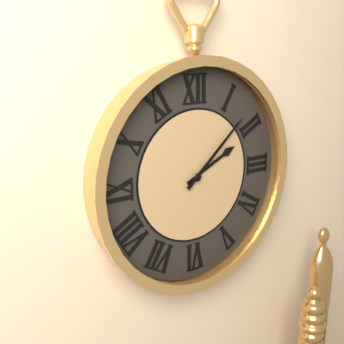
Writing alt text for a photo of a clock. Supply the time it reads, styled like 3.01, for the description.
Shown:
2.08
